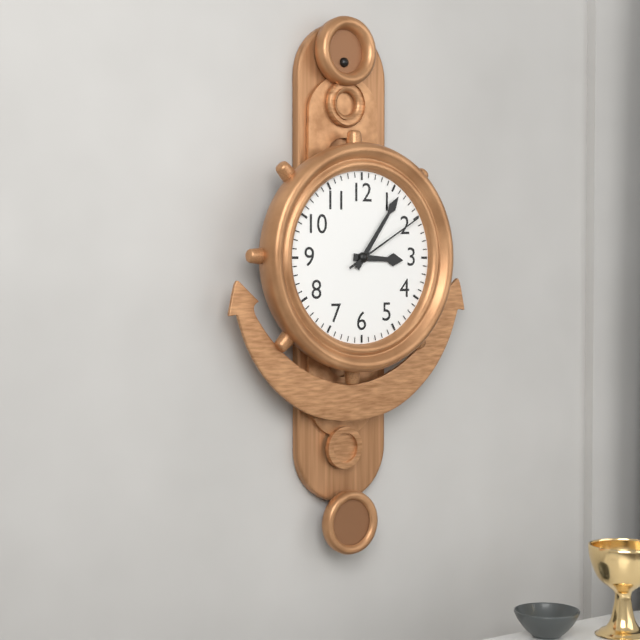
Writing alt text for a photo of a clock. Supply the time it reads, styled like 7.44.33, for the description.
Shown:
3.06.10
